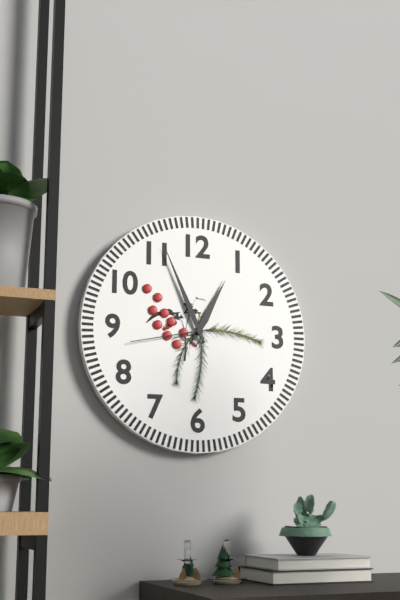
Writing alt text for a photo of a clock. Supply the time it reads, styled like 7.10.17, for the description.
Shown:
12.56.43
